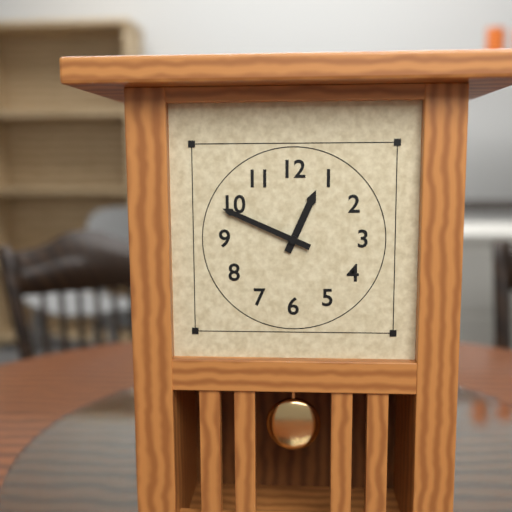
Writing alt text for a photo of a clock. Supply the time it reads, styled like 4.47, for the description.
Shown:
12.49
